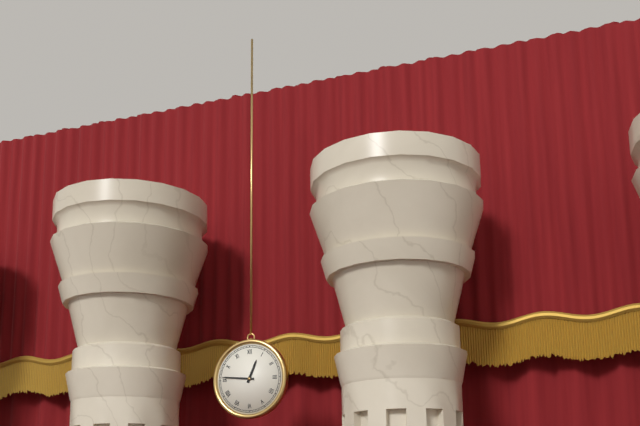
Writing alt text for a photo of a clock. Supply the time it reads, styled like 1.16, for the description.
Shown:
12.46
